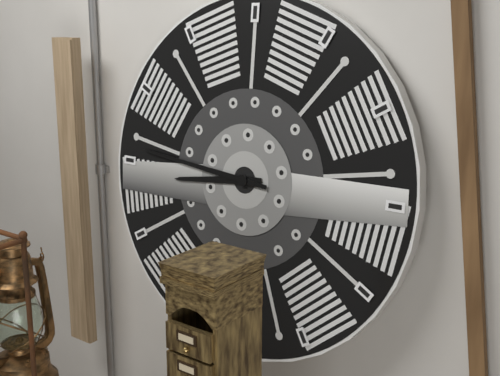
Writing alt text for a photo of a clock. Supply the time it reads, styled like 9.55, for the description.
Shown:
8.46
